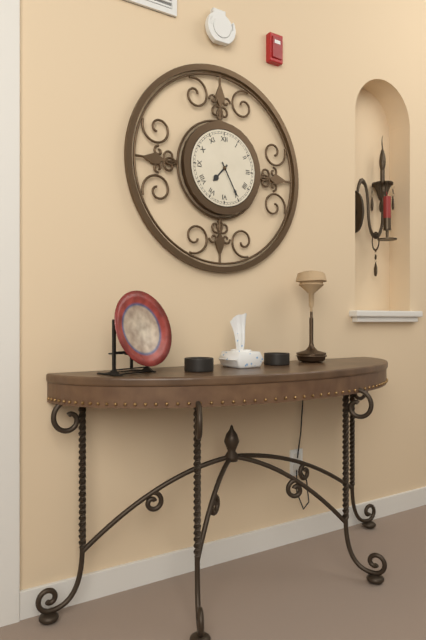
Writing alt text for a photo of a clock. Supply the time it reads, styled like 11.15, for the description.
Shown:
7.25
